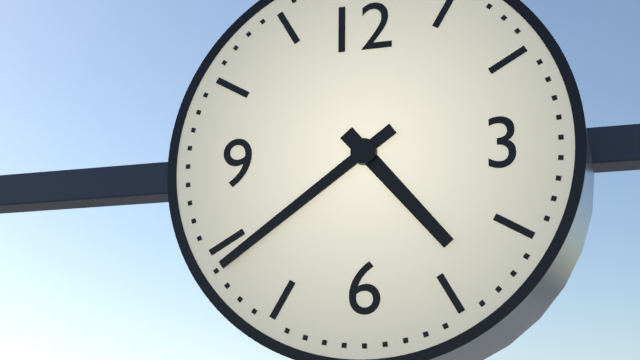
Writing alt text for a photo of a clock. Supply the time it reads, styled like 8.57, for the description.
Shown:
4.39
